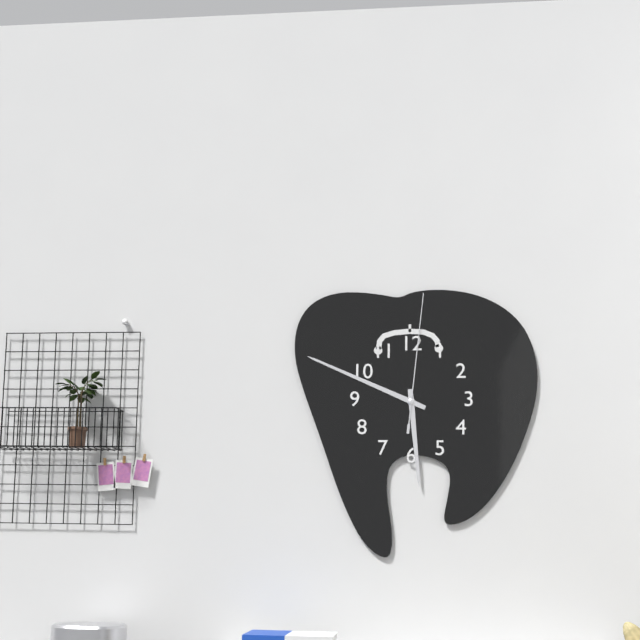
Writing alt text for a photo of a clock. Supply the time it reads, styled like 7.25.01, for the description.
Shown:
5.49.01
